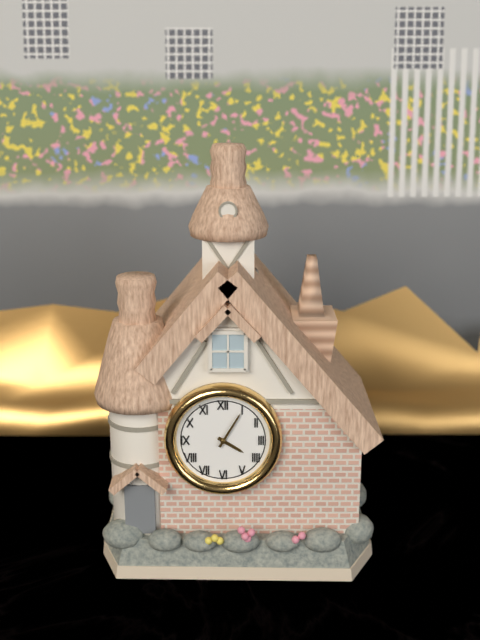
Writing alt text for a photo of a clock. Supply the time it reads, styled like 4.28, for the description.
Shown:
4.05
